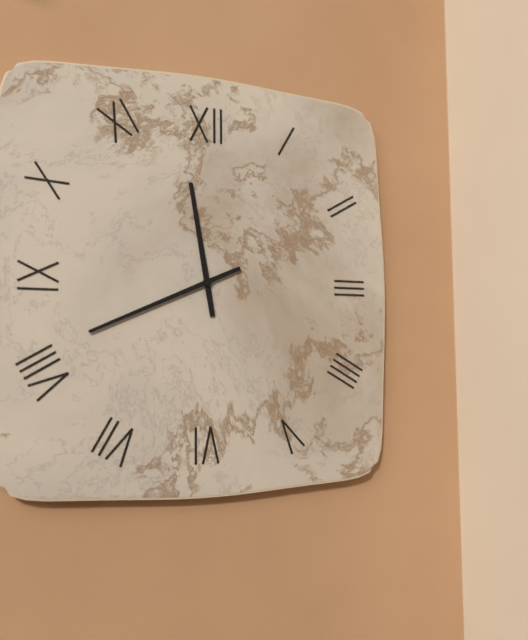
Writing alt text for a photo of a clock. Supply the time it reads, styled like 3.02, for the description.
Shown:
11.41
